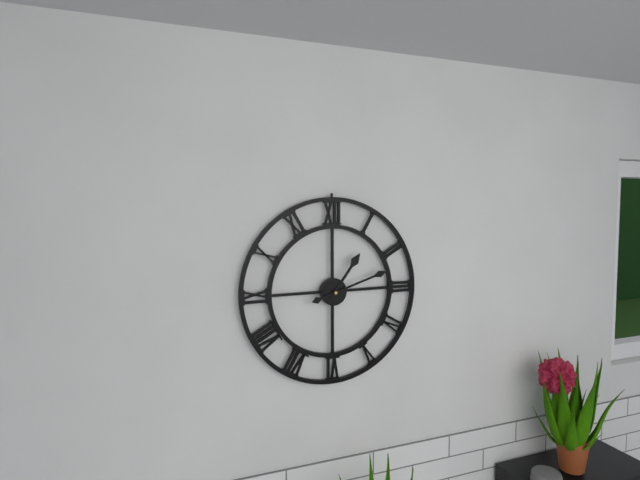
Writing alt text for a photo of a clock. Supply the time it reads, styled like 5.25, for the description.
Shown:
1.12
